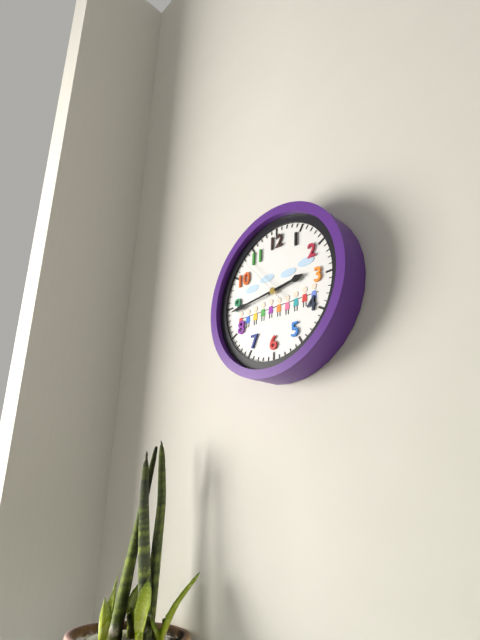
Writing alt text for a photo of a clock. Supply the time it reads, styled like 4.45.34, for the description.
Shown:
2.44.53
